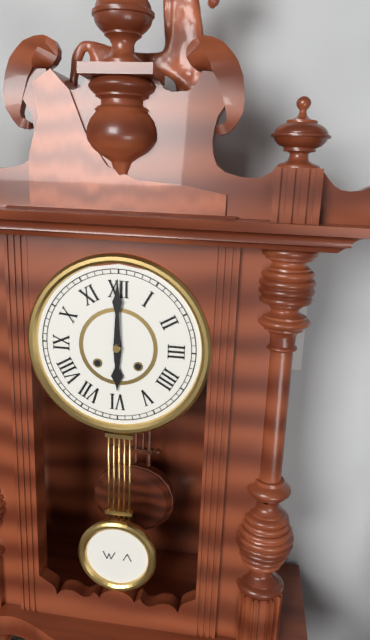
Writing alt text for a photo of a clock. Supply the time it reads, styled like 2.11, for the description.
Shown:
6.00
